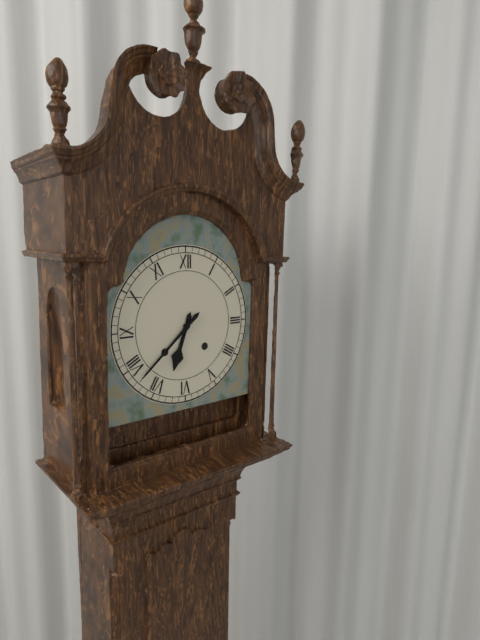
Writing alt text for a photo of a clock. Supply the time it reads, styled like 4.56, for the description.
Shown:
6.38
